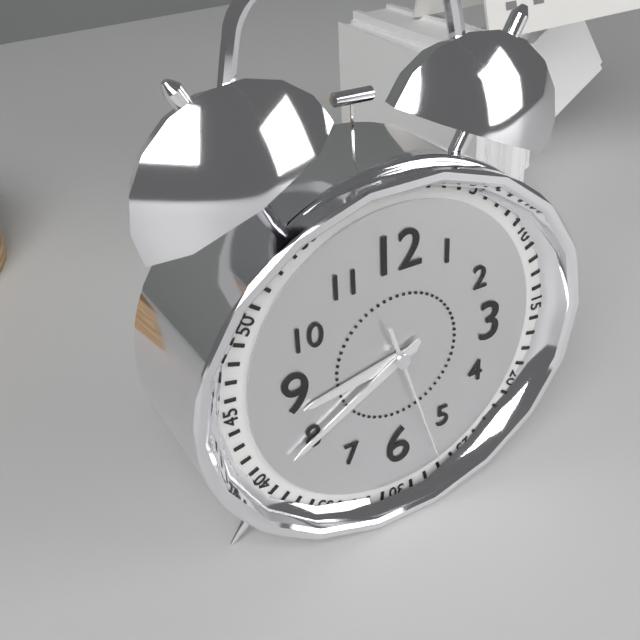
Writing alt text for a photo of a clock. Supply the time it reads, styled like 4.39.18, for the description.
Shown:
8.40.27
